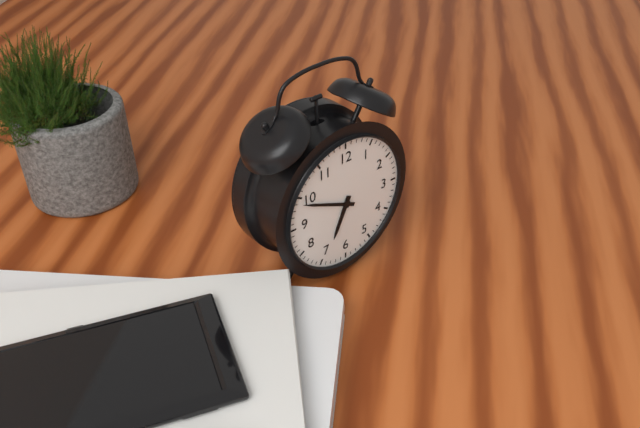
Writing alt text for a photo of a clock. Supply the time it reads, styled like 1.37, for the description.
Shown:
6.49
